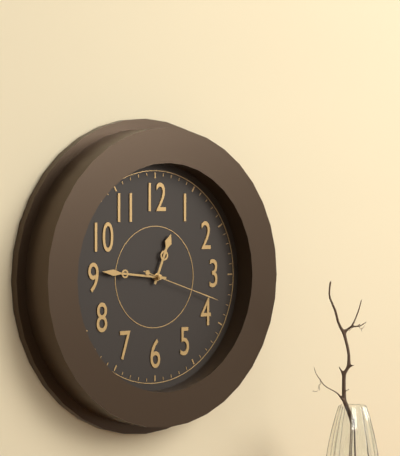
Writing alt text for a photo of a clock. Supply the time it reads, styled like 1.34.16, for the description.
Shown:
12.46.18
